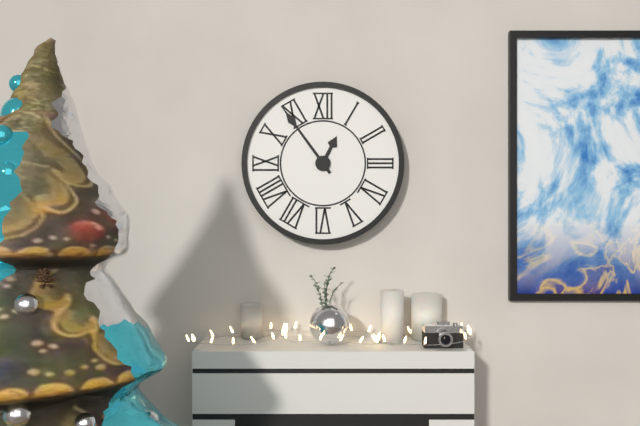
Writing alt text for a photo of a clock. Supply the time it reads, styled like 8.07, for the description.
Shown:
12.54
